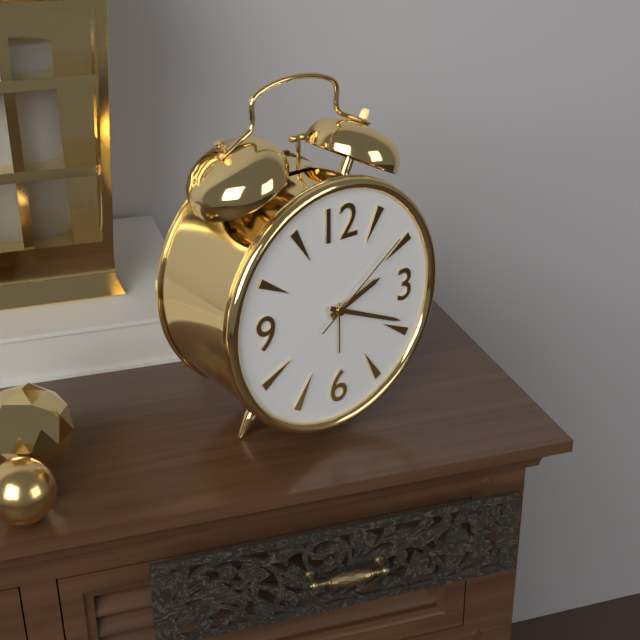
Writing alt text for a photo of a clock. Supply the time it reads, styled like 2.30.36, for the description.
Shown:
2.19.09
